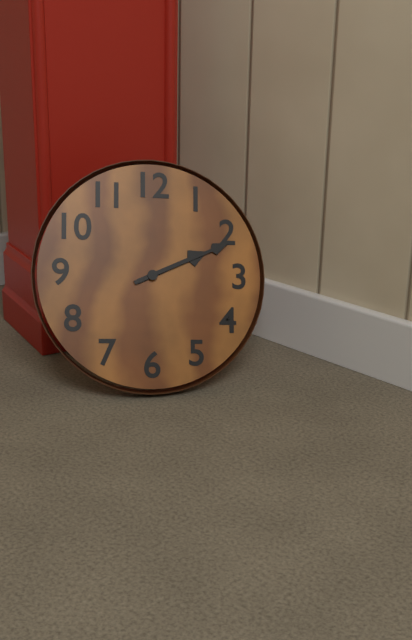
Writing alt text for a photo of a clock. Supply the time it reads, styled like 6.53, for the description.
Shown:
2.11
